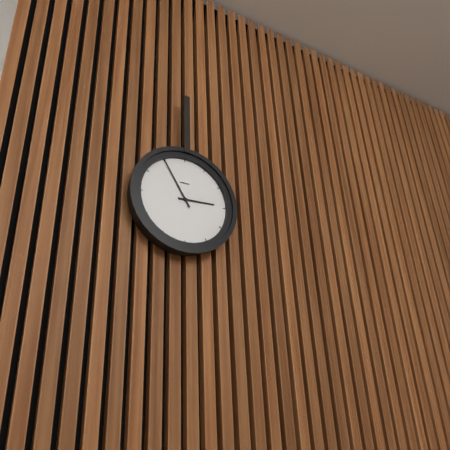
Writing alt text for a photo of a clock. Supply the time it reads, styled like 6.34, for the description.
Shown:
2.55
